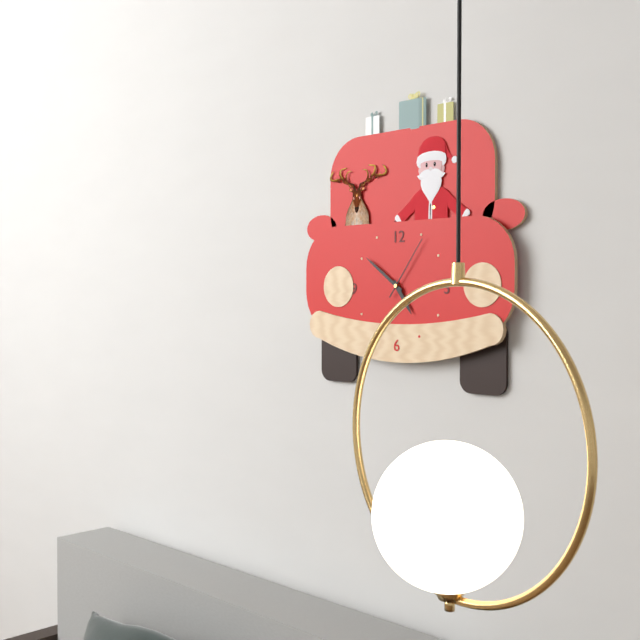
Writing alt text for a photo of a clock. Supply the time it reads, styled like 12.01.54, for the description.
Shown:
4.51.06
